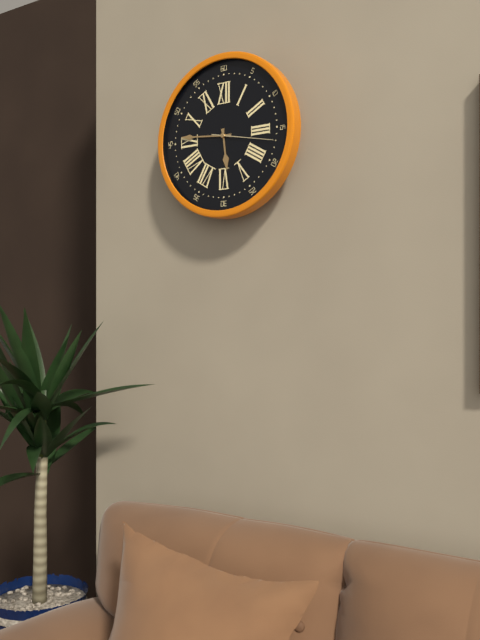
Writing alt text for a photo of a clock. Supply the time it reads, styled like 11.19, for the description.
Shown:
5.46
